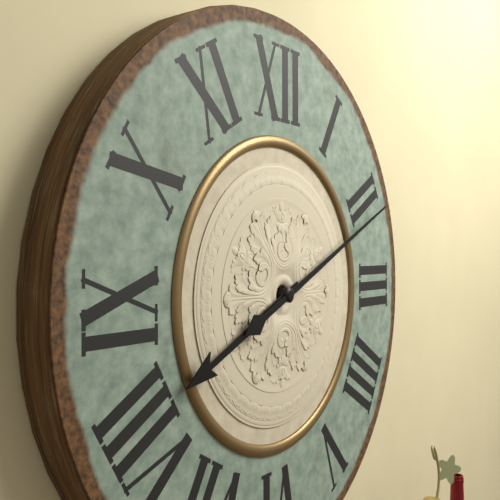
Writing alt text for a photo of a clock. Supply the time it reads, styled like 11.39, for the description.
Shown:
8.11
